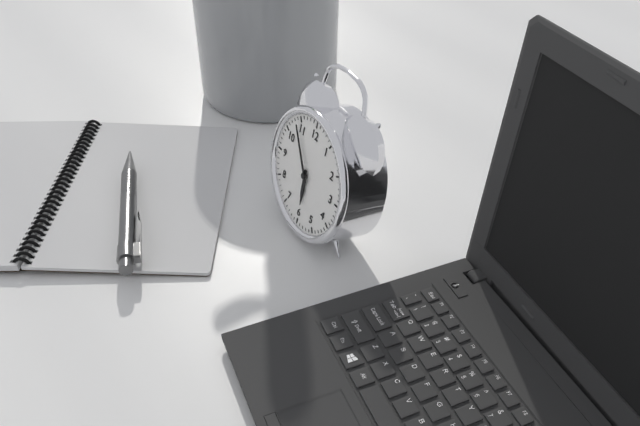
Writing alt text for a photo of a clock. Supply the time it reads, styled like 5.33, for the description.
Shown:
5.54
